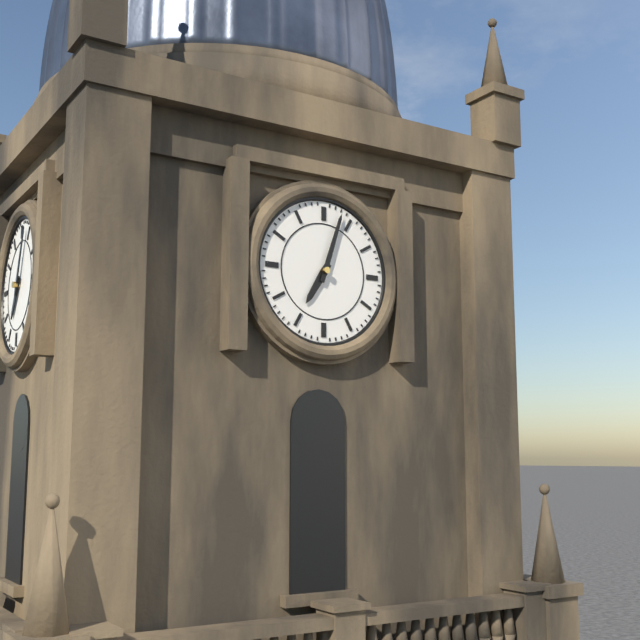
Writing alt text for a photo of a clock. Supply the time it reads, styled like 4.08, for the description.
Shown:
7.03
